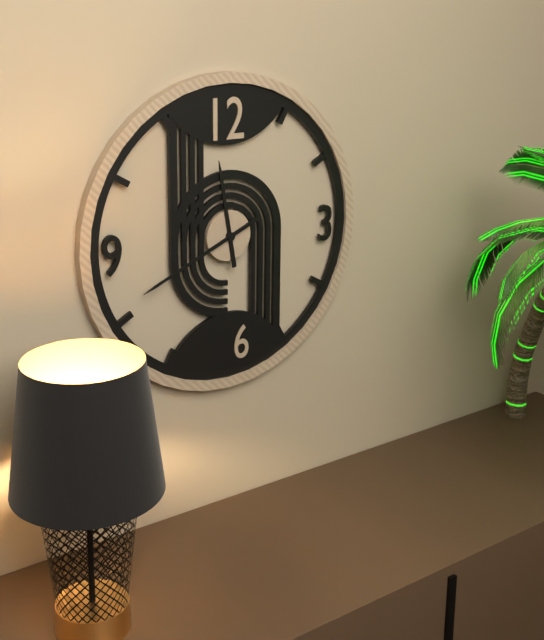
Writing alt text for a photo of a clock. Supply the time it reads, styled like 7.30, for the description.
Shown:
11.41
